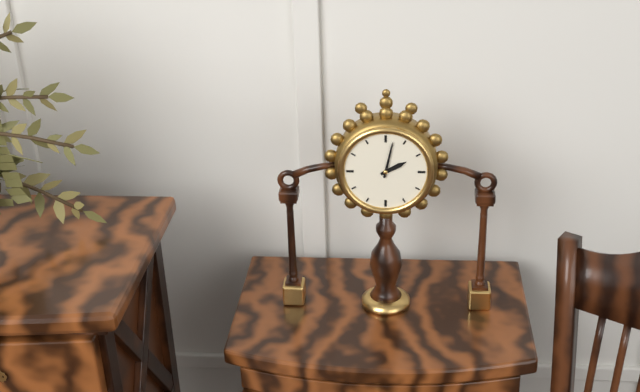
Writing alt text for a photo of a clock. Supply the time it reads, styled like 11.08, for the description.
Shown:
2.02
